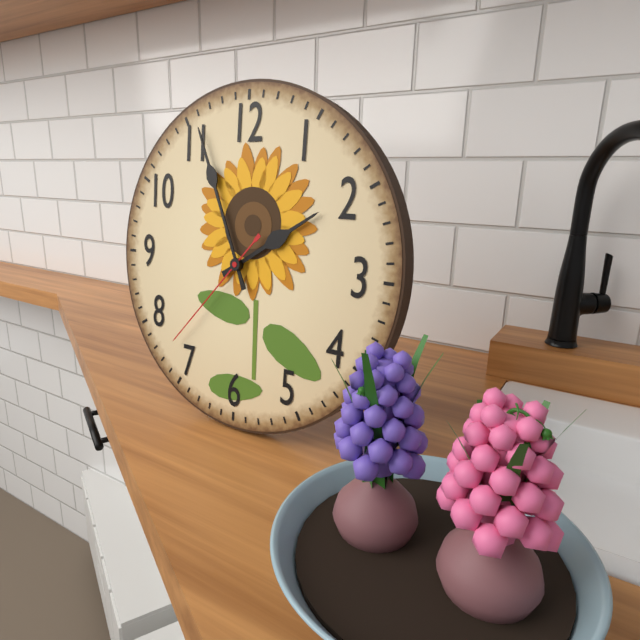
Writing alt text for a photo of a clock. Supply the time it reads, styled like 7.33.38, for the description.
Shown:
1.56.37
